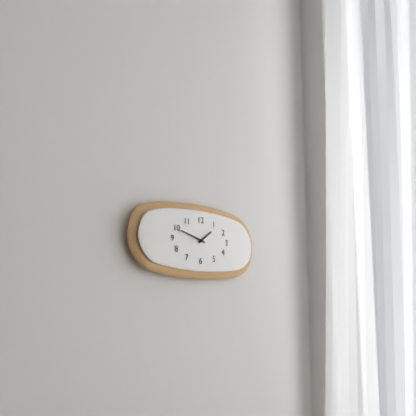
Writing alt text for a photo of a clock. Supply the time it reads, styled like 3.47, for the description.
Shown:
1.48
